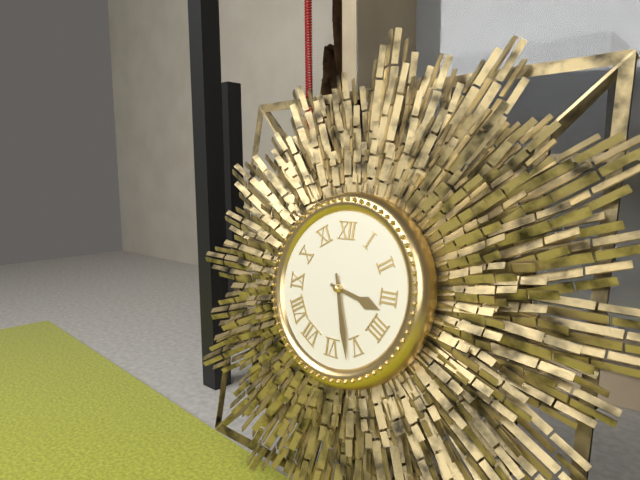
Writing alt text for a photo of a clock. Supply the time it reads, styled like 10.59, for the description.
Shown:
3.27
